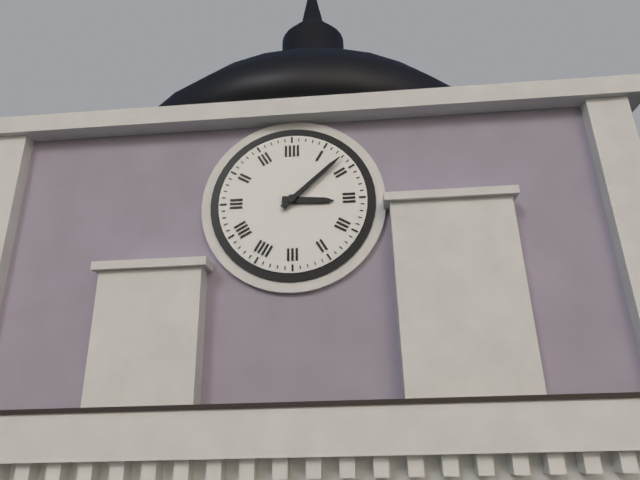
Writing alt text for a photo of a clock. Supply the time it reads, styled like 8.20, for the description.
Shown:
3.08
